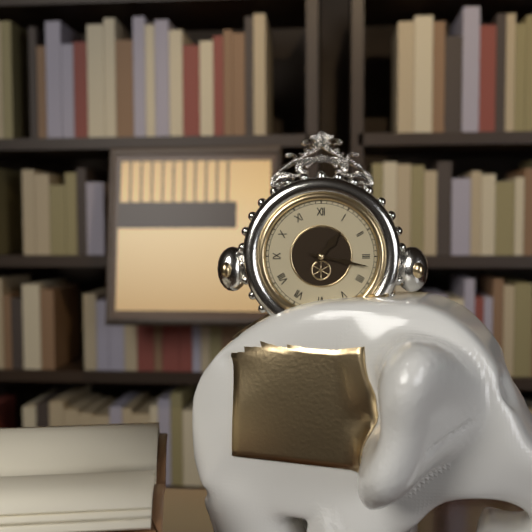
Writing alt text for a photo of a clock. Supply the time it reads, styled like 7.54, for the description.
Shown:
1.17
